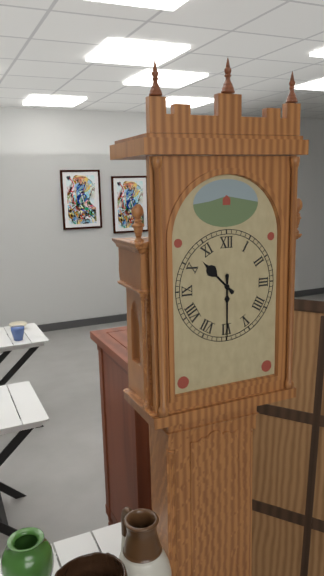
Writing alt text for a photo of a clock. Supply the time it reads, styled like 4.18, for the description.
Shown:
10.30
